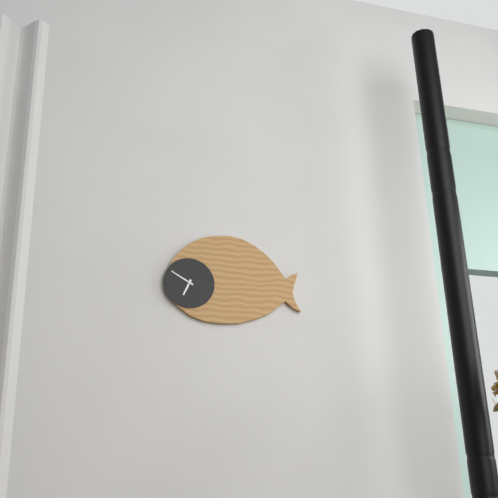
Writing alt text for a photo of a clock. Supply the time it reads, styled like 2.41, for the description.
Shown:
6.50
